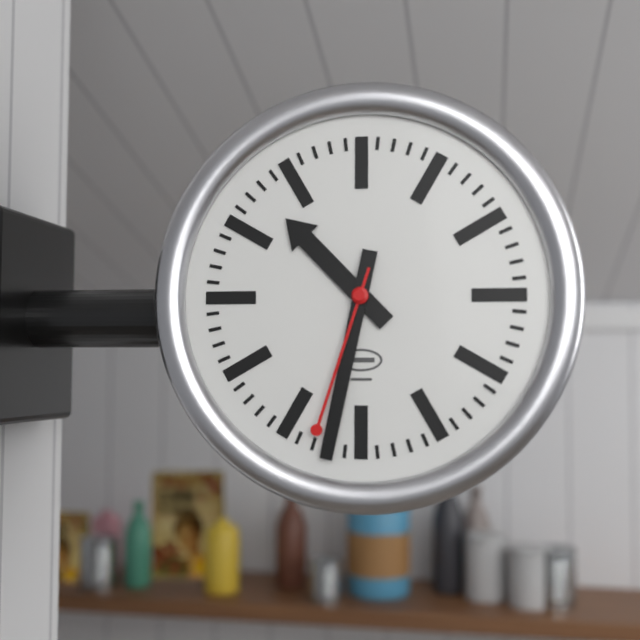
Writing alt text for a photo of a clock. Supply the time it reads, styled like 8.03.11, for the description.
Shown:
10.32.33
